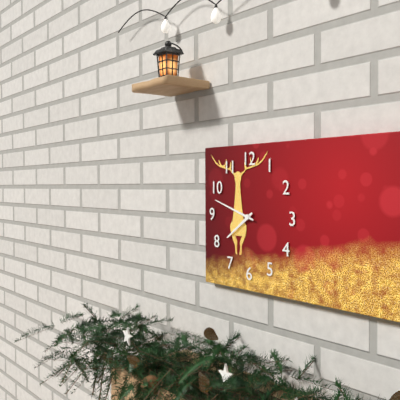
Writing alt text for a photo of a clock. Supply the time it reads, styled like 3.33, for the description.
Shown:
7.48
